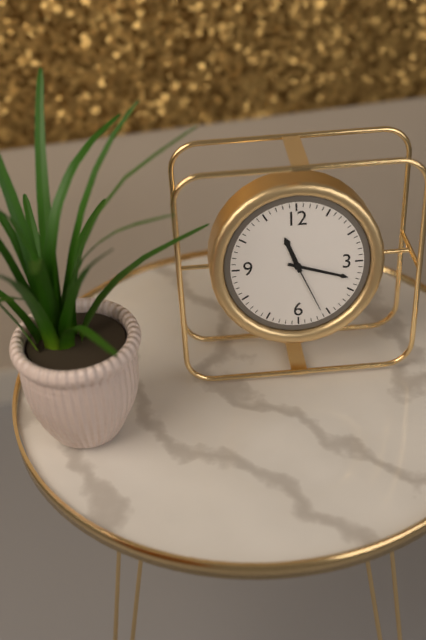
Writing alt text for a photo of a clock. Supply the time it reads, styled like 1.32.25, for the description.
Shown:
11.18.26
